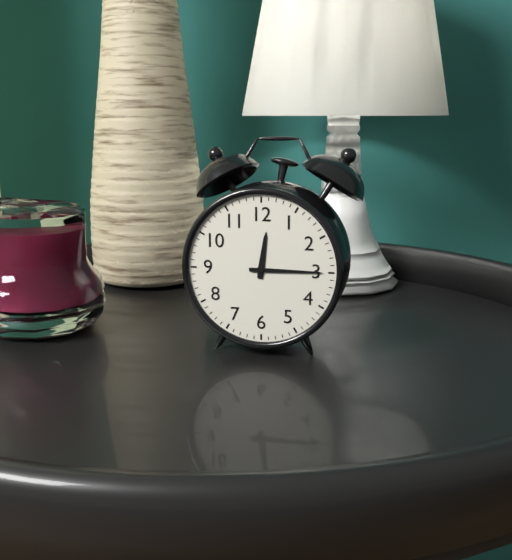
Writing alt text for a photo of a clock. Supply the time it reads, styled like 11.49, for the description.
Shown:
12.15
